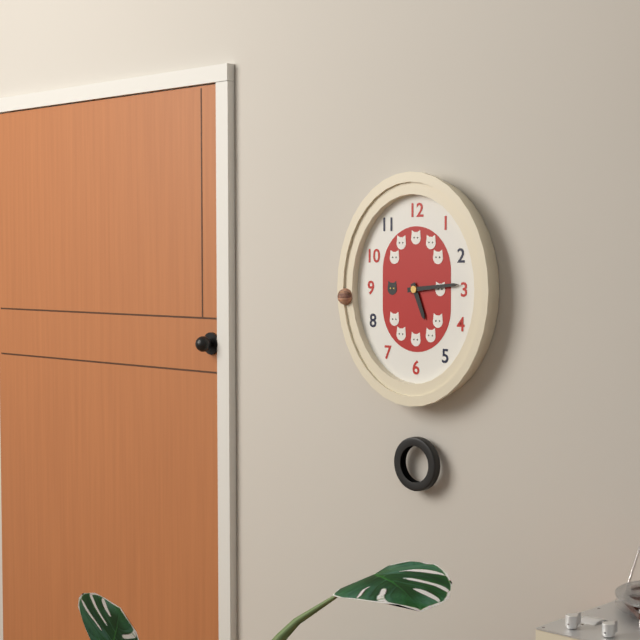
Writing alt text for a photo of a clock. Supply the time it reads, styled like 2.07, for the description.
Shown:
5.14
